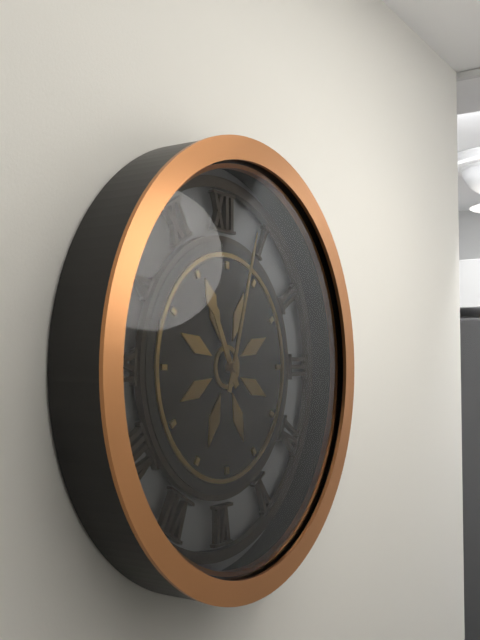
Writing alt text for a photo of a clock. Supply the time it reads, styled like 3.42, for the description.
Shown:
11.03
